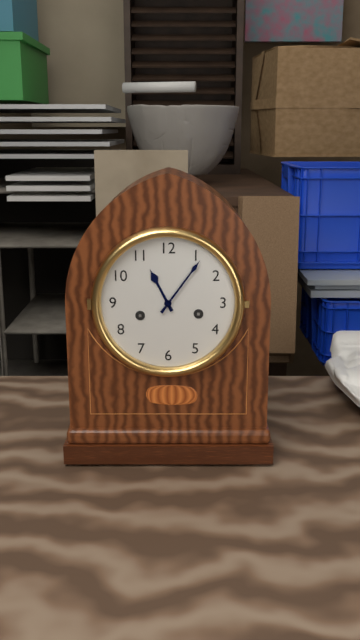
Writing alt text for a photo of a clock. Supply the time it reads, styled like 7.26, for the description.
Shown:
11.06
